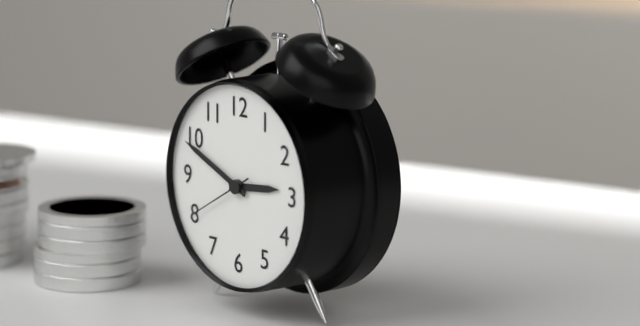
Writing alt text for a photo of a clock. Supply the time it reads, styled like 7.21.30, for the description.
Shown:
2.49.40
